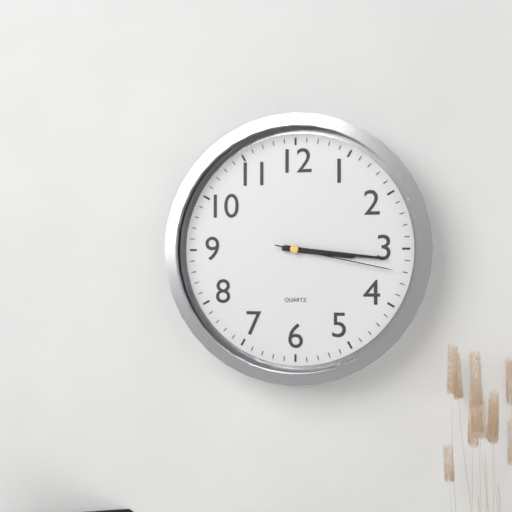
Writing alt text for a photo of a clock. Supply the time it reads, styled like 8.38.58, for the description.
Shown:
3.16.17
